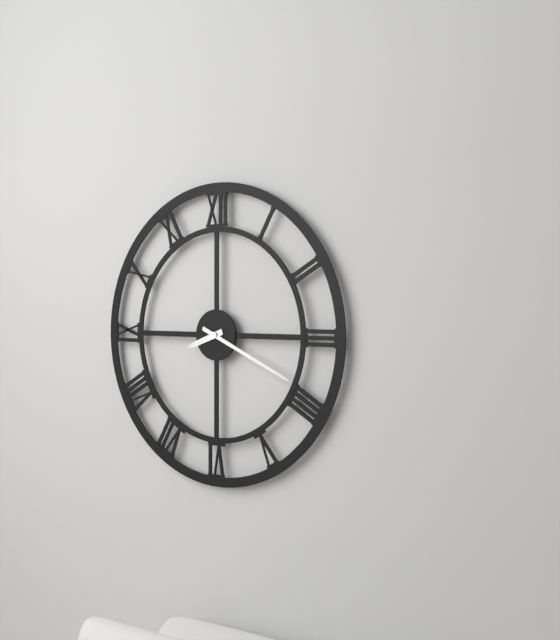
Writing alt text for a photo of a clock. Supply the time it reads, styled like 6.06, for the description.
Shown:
8.19
